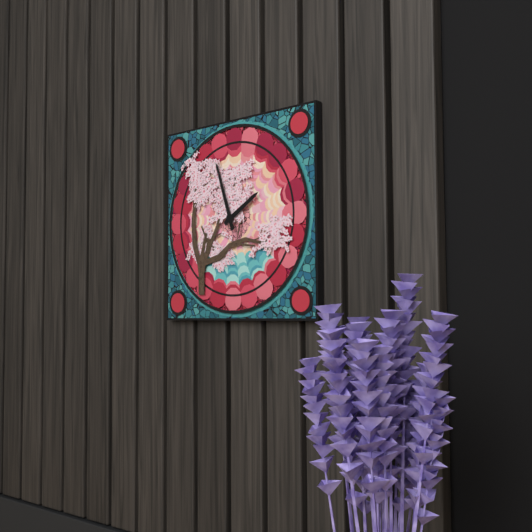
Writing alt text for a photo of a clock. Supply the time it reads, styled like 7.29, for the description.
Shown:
1.57
